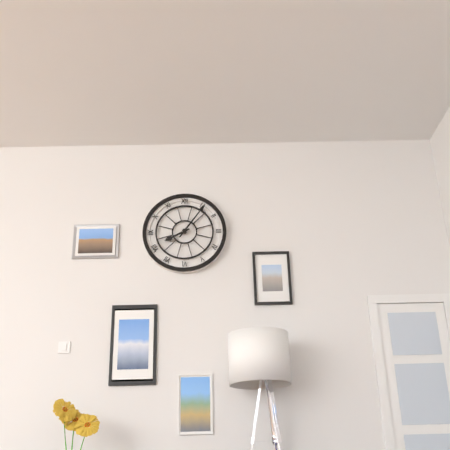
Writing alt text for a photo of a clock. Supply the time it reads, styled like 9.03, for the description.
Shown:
8.06
